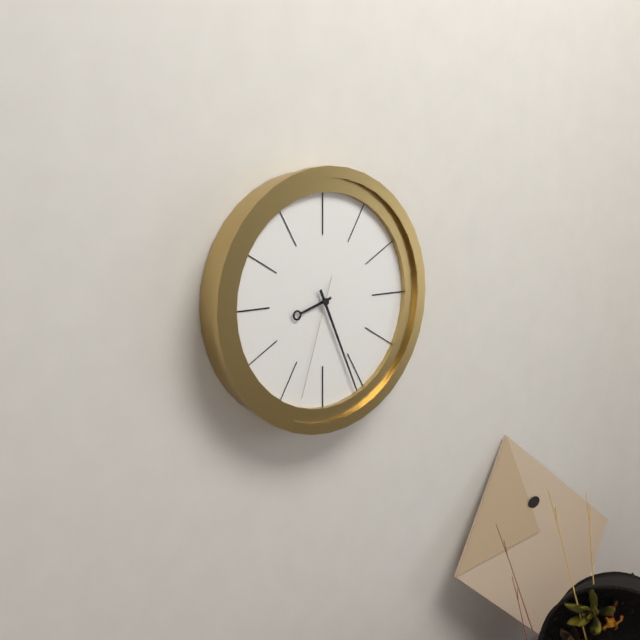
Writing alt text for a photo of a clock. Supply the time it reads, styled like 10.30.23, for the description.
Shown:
8.26.33
